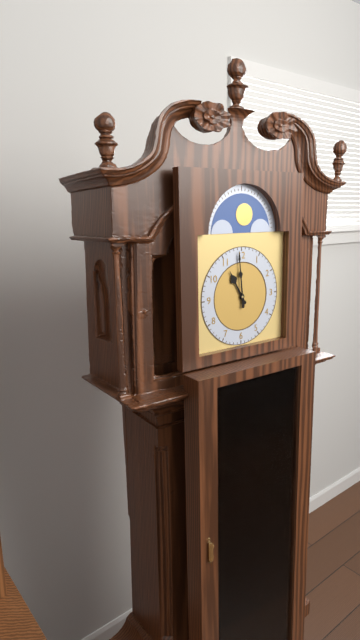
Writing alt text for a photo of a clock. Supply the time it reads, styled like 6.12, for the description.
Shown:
10.59
